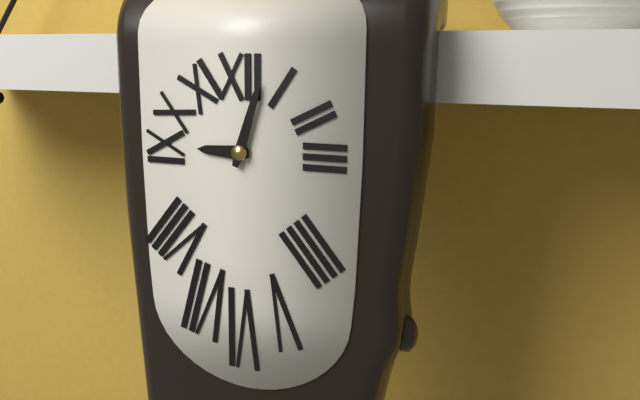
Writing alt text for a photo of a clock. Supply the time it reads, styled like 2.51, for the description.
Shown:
9.03
